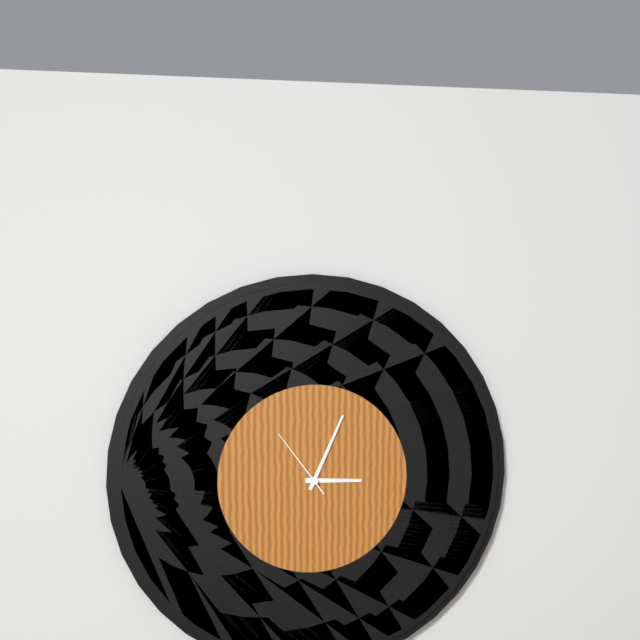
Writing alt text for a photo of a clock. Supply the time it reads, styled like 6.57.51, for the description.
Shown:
3.04.54
